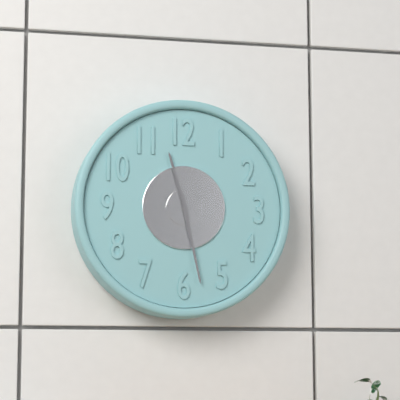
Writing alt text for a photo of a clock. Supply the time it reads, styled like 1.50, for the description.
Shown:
11.28
